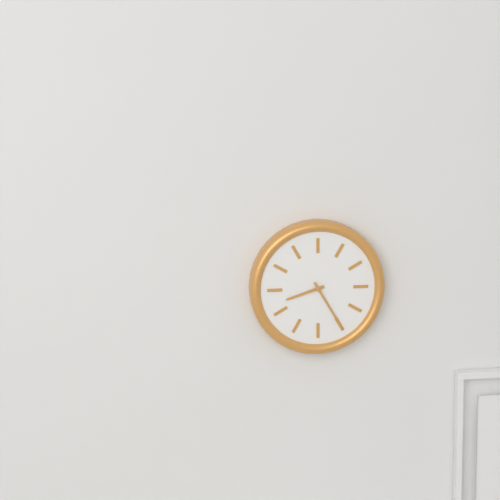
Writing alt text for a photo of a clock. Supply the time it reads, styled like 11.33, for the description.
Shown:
8.25
